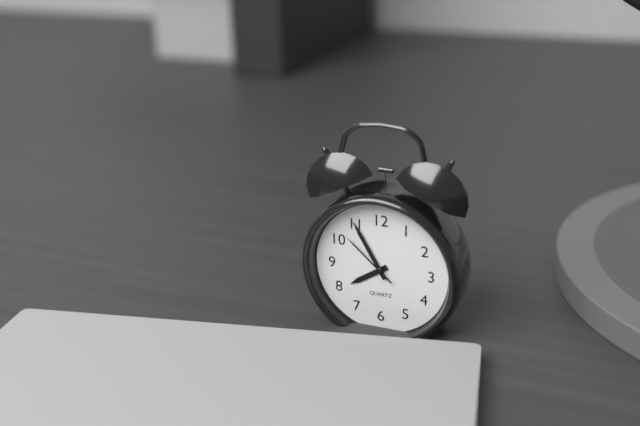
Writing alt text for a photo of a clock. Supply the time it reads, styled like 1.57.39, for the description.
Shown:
7.55.52
